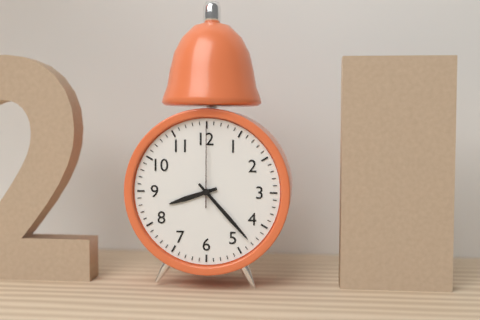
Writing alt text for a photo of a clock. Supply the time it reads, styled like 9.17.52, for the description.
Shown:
8.23.00
